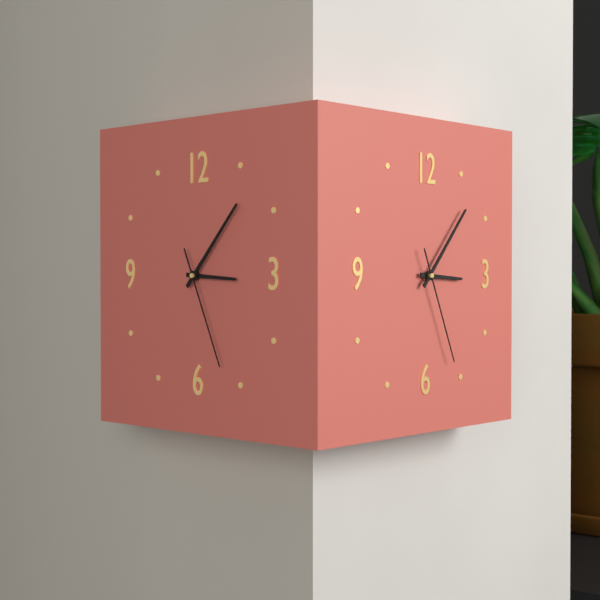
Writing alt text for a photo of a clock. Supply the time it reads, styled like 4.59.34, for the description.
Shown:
3.07.26
